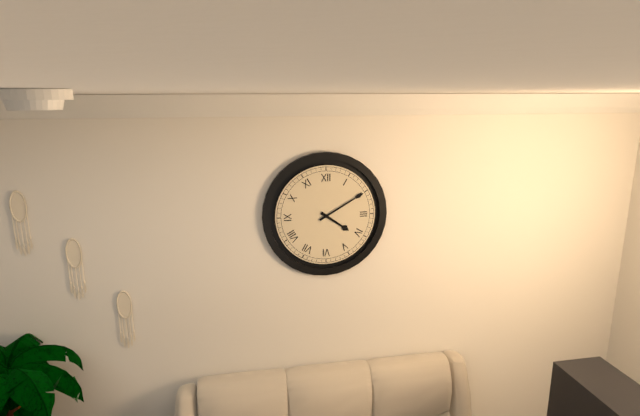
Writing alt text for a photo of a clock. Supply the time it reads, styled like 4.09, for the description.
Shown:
4.10
